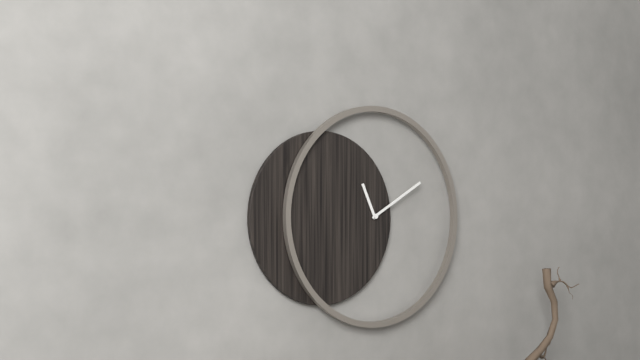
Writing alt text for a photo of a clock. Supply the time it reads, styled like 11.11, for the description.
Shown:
11.10
